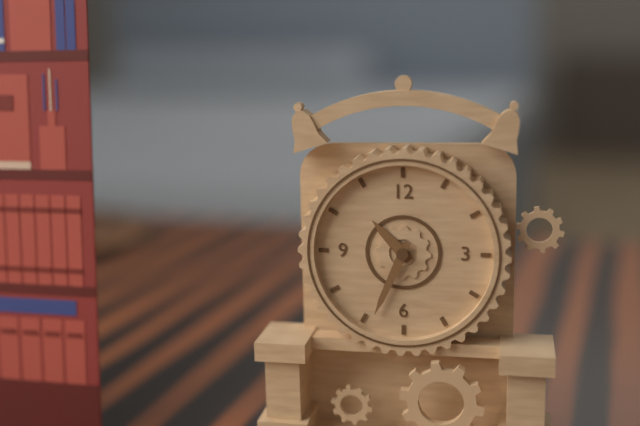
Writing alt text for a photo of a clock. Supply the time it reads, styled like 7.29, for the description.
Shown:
10.34
